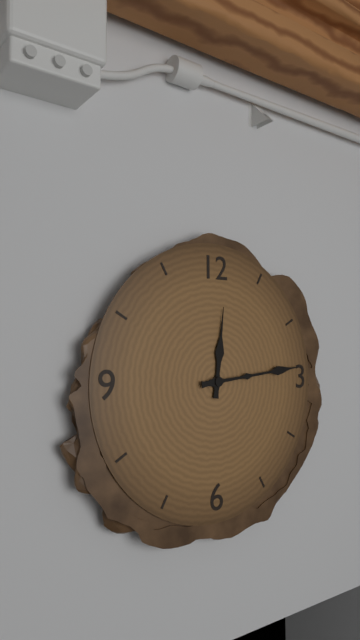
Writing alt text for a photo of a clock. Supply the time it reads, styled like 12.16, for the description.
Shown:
12.14
